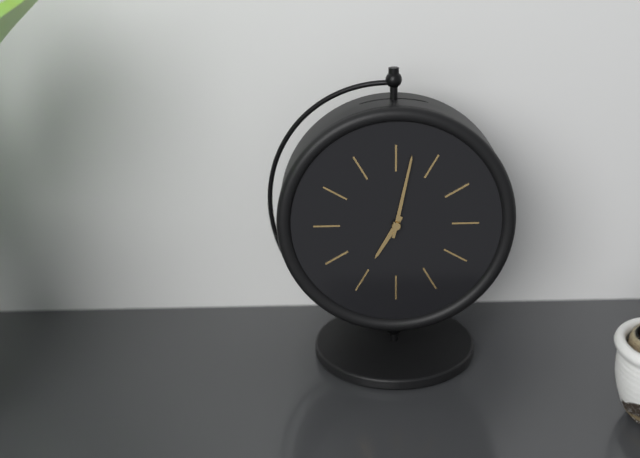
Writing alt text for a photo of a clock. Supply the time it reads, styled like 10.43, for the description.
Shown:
7.02
